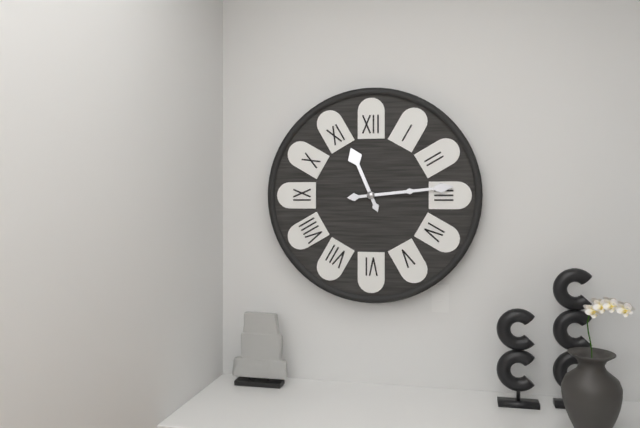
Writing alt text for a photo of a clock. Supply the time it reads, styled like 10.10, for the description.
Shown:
11.14
